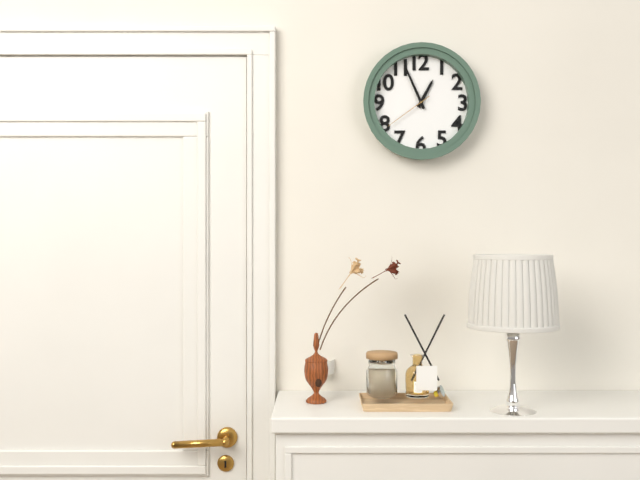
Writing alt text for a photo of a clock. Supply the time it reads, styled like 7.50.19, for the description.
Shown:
12.56.39
